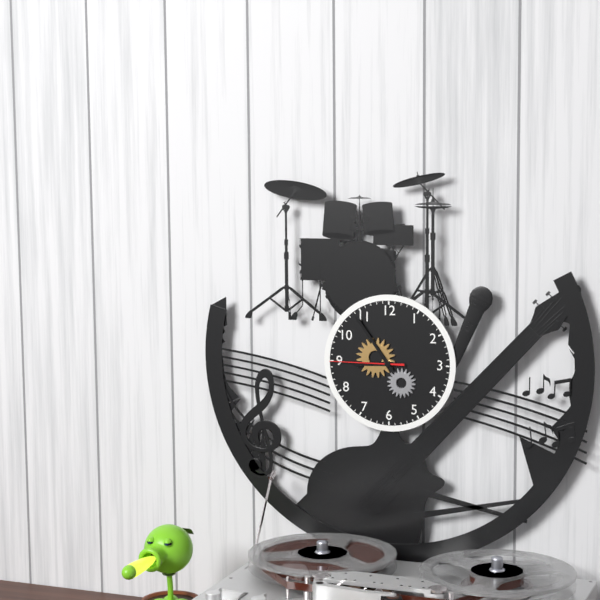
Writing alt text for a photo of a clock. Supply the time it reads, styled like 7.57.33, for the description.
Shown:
8.54.45
